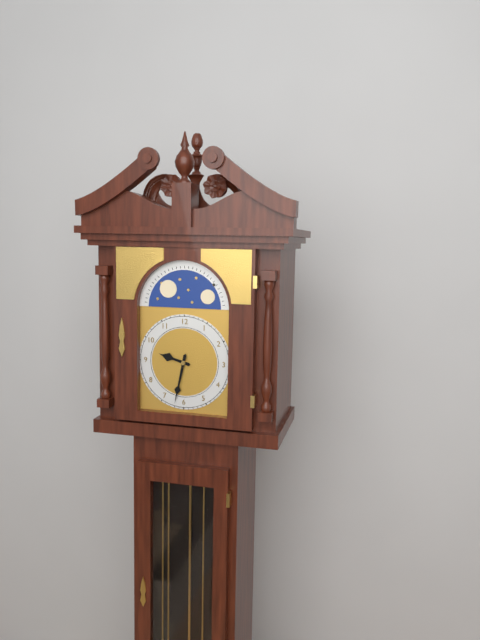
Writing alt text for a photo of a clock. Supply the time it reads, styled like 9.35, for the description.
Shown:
9.32
